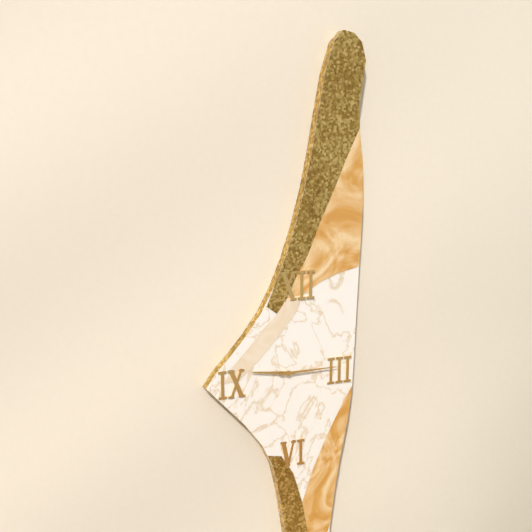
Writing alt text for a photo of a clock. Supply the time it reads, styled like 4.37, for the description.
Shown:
9.15
